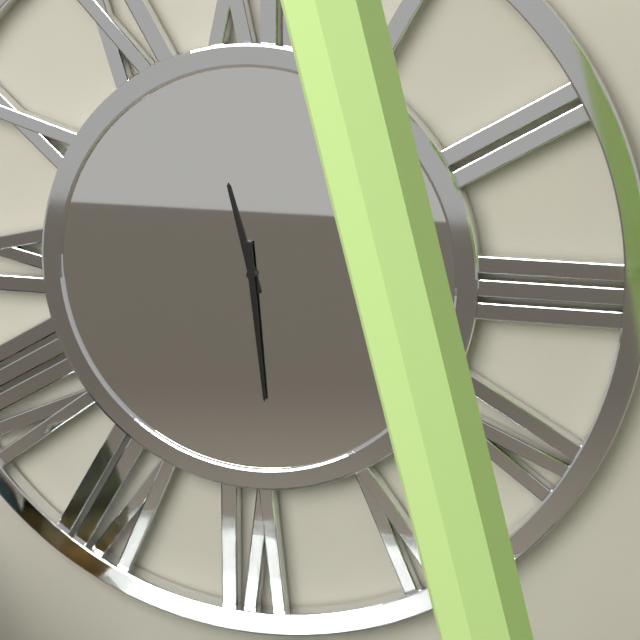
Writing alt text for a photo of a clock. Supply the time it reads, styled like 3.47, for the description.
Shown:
11.29
